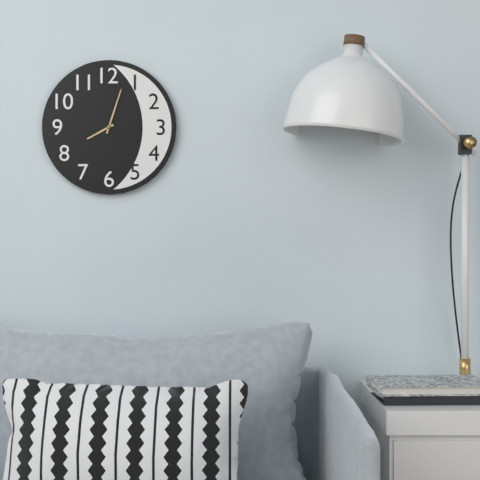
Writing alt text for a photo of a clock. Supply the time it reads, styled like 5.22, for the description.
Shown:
8.03
